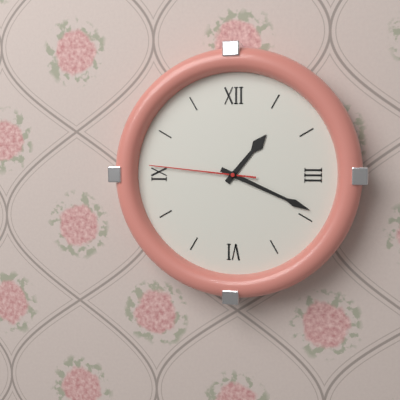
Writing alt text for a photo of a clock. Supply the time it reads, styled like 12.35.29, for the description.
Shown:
1.19.46
